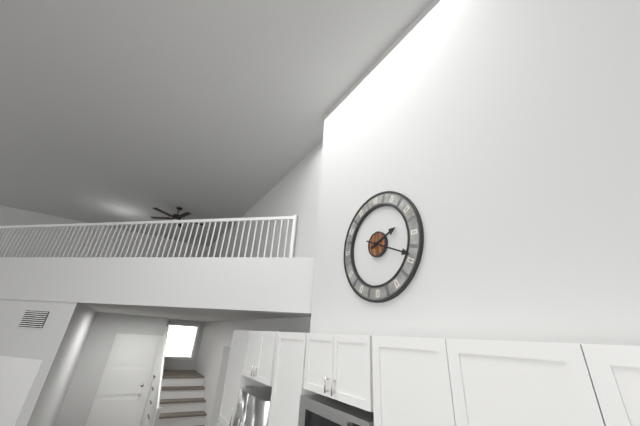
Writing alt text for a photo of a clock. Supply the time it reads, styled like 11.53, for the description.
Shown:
2.19
